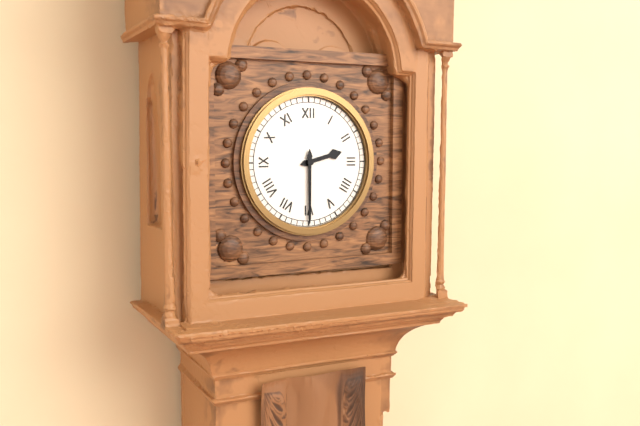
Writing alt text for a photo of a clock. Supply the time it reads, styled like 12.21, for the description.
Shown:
2.30
